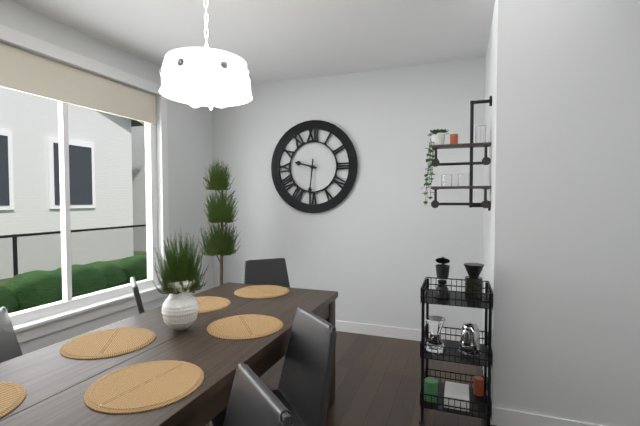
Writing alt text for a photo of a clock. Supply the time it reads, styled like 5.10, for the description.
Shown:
9.31
